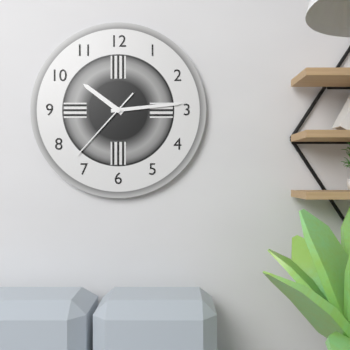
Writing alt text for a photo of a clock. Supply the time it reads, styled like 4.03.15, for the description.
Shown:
10.14.37
